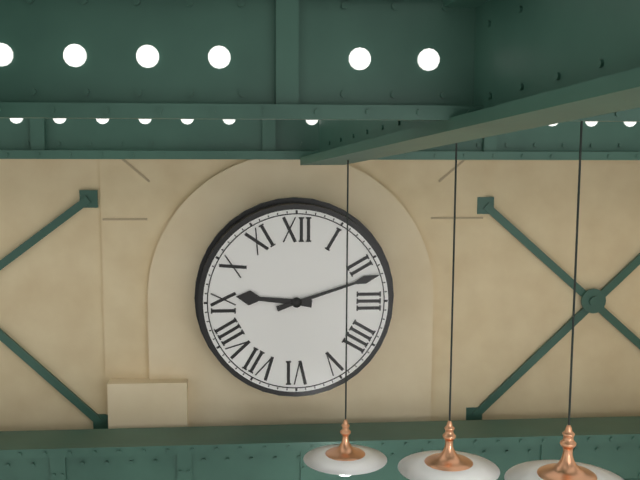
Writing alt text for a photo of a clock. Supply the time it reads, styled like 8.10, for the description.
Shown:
9.12
